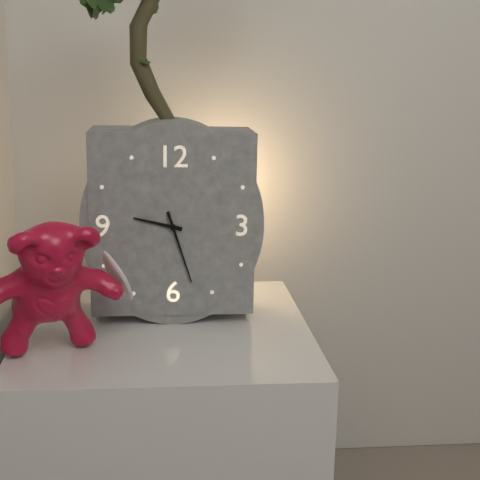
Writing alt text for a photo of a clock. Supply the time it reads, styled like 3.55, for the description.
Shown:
9.27
